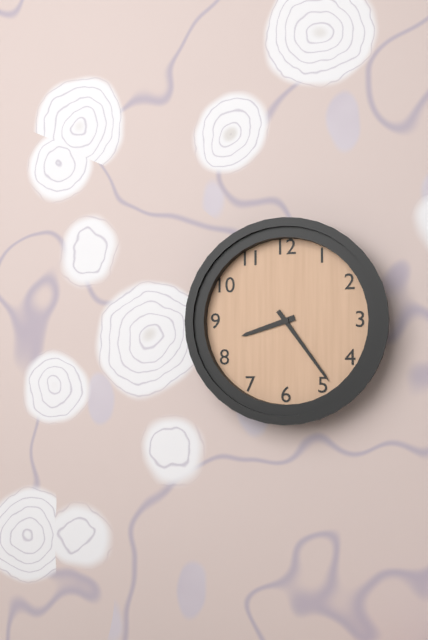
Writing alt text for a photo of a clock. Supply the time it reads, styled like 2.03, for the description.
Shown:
8.24
